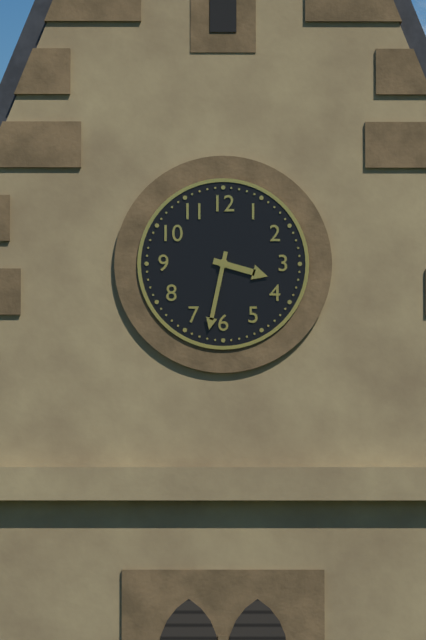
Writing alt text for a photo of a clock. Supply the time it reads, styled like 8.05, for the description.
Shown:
3.32
